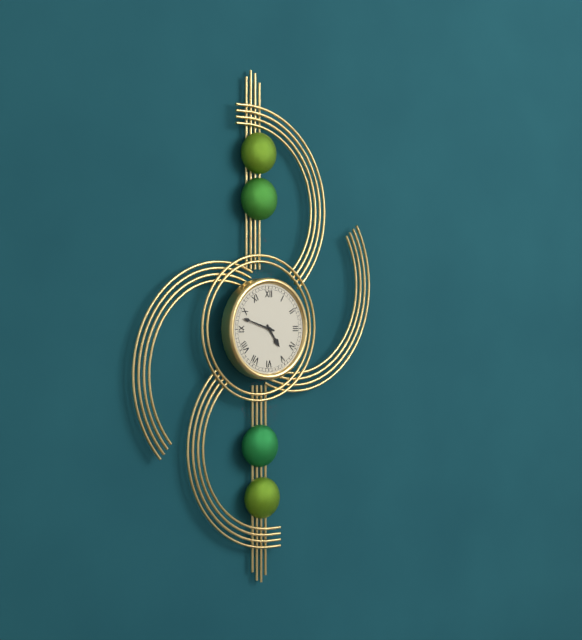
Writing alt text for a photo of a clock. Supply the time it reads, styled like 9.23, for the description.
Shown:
4.48
